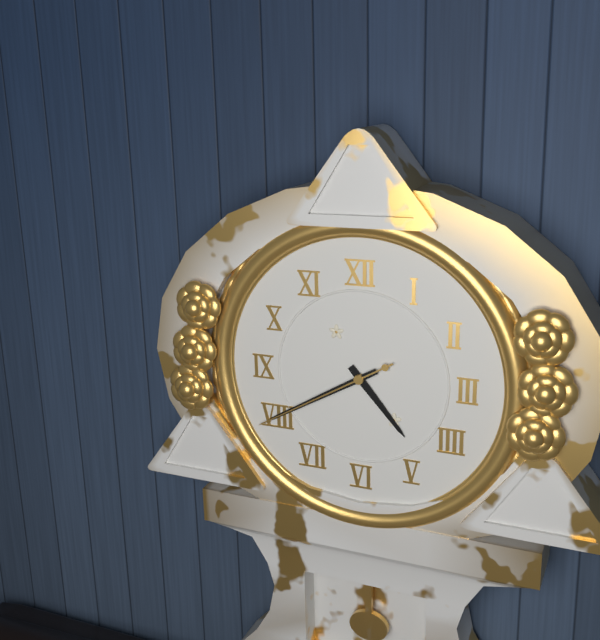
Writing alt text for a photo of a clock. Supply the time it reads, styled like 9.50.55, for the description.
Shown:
4.40.40
